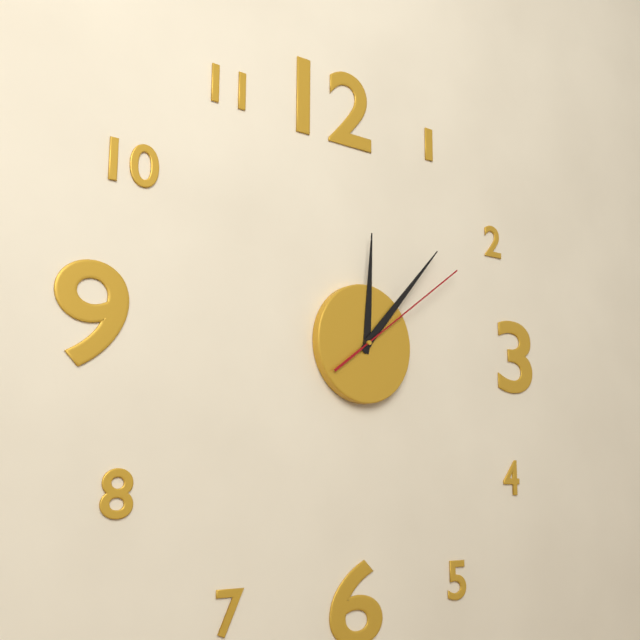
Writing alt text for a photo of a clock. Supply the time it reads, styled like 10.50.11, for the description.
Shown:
12.07.09
